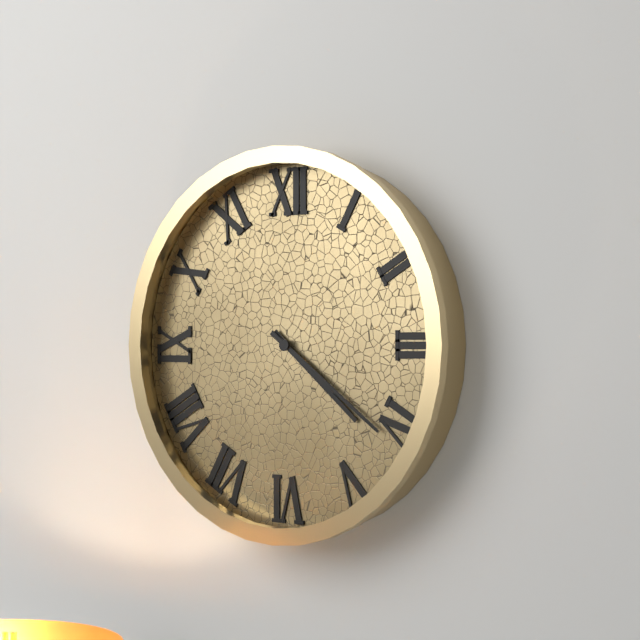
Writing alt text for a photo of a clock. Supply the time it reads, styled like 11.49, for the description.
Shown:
4.21
